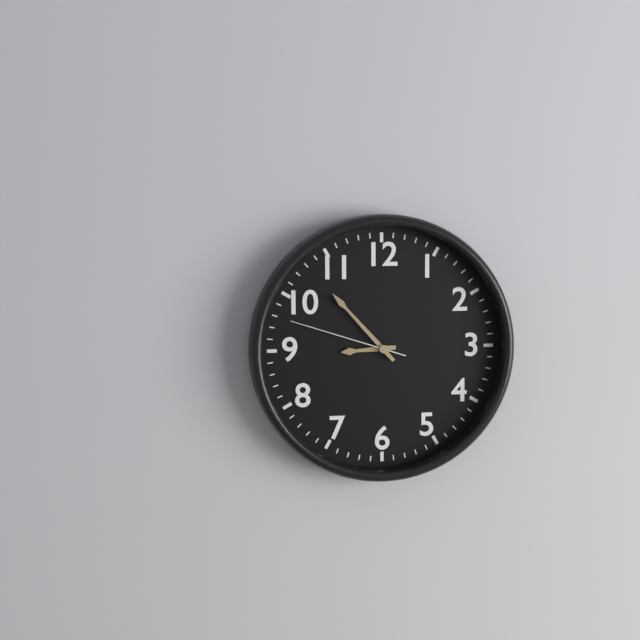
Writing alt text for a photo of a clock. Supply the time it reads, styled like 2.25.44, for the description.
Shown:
8.53.48
